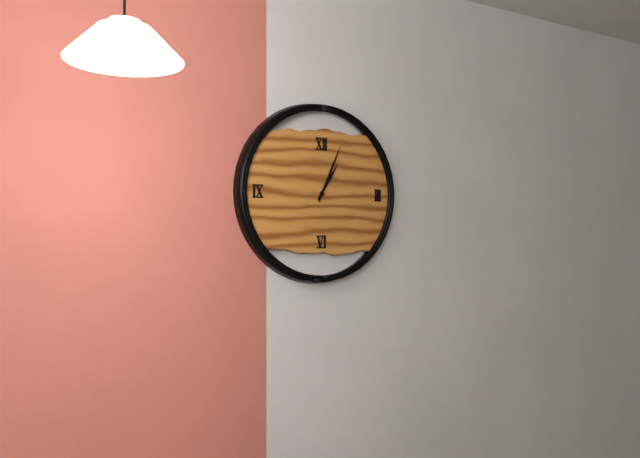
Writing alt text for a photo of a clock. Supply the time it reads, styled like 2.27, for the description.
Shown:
1.04
